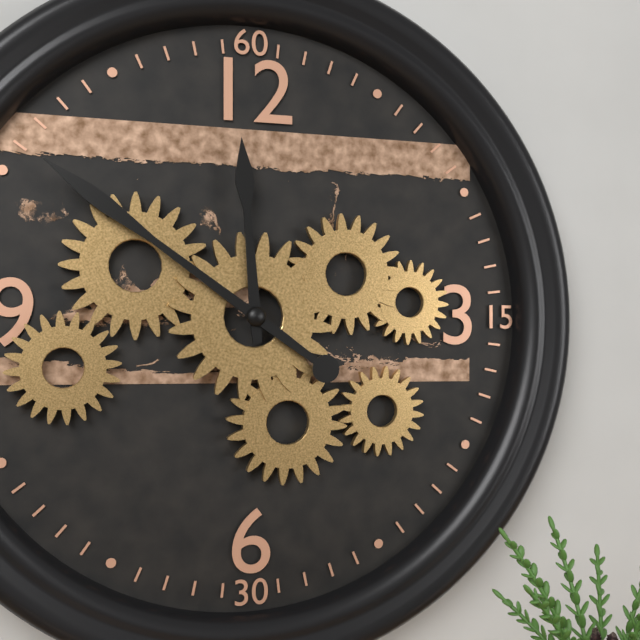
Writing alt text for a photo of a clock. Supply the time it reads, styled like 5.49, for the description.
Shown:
11.51
